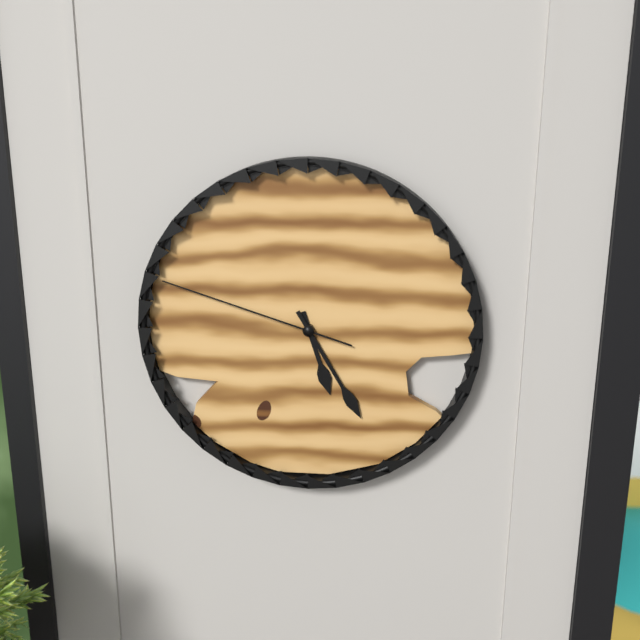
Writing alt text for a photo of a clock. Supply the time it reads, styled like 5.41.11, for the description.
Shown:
5.25.48
